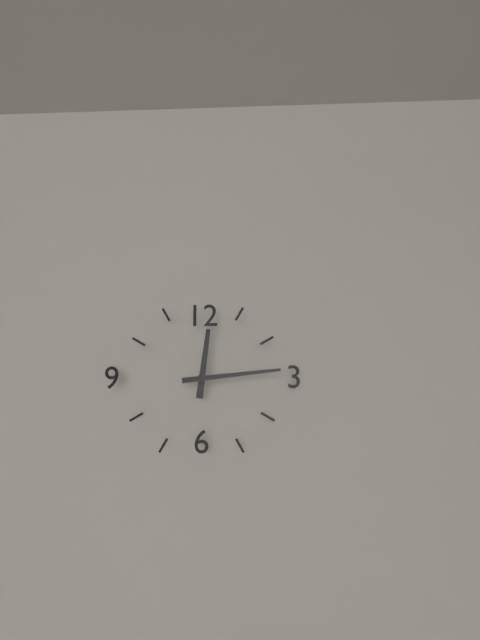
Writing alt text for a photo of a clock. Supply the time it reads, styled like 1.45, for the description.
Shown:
12.14
